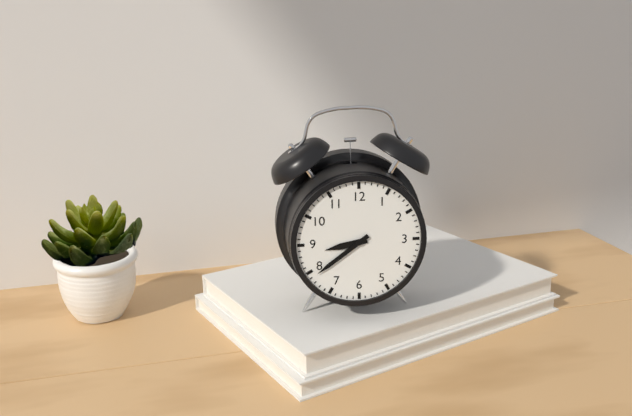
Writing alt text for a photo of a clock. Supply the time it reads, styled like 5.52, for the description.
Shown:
8.39
